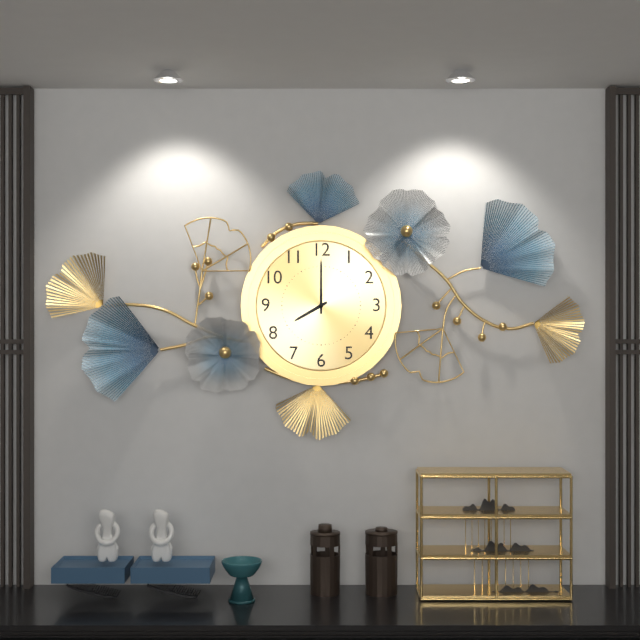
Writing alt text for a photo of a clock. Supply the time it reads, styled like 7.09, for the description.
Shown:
8.00
